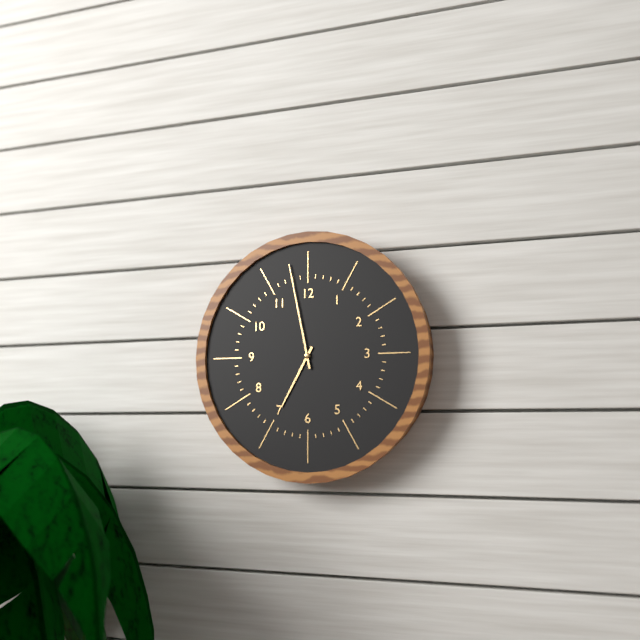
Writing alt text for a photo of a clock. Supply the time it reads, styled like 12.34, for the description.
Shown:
6.58
